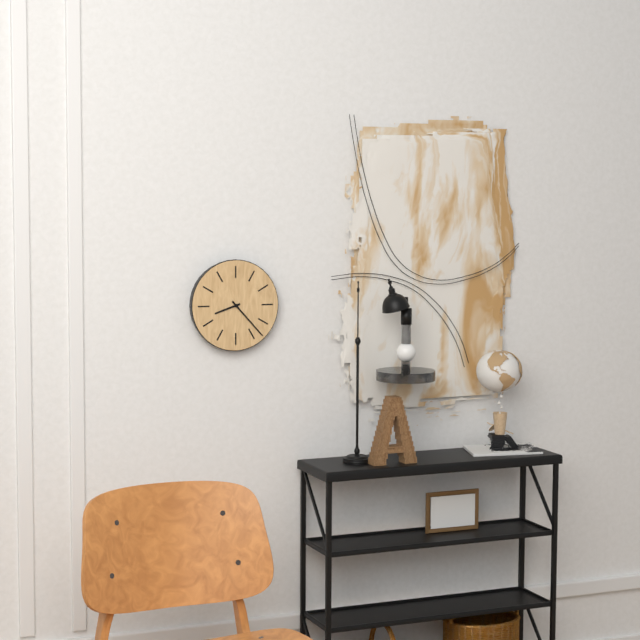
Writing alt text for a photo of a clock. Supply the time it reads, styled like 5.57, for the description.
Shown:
8.23
